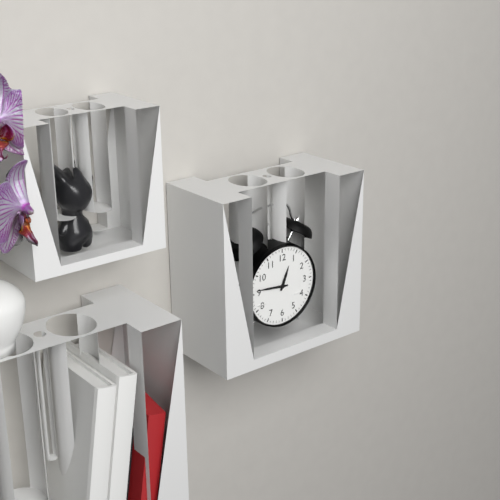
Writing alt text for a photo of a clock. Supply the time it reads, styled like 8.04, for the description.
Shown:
12.46
